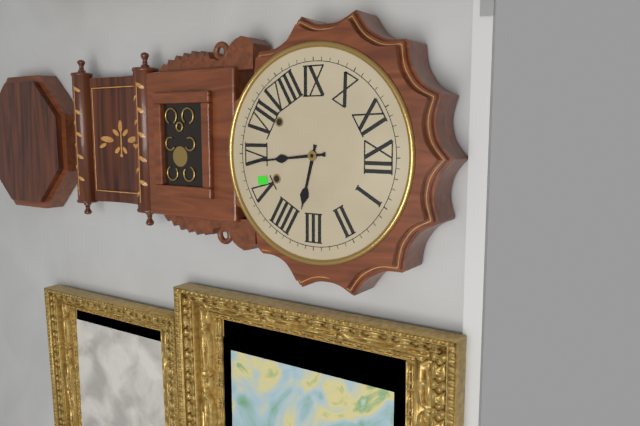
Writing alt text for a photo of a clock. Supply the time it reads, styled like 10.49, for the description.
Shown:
3.29
